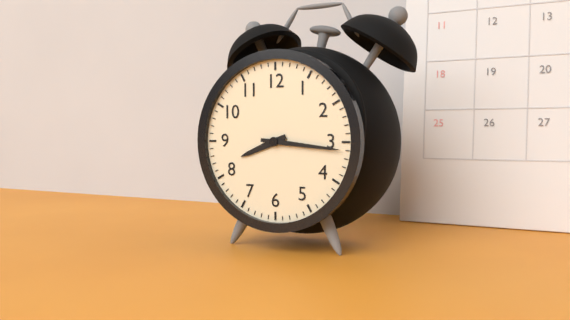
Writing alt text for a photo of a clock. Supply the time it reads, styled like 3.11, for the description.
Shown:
8.16
